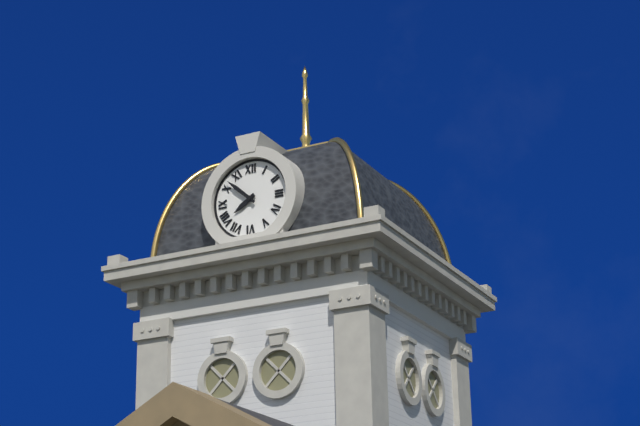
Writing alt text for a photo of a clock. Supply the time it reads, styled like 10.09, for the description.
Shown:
7.52
